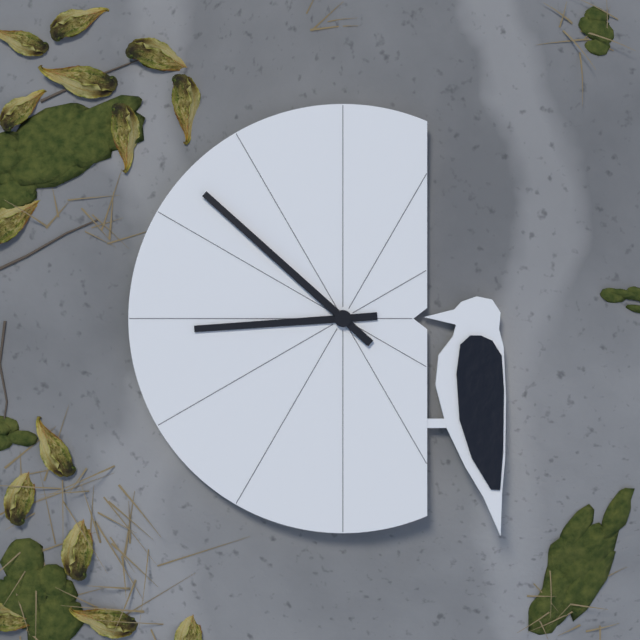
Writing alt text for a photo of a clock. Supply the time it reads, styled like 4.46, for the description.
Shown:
8.52
